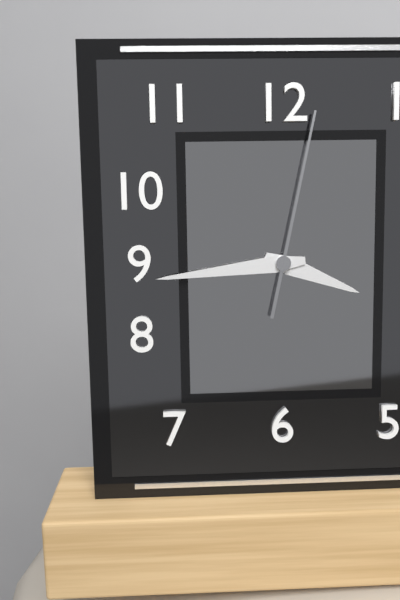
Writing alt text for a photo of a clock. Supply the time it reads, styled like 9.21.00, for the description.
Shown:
3.44.02
